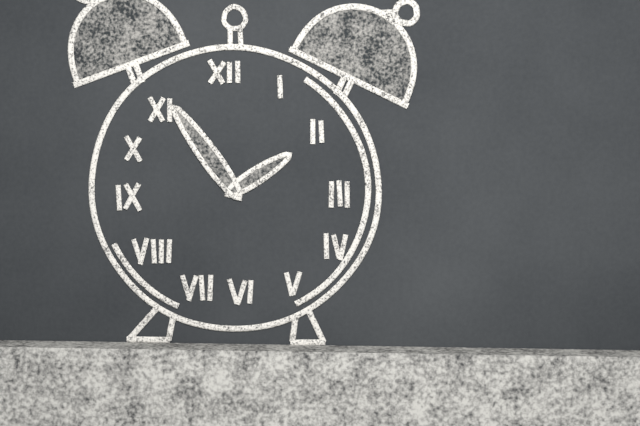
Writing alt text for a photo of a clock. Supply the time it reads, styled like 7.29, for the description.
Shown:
1.54
